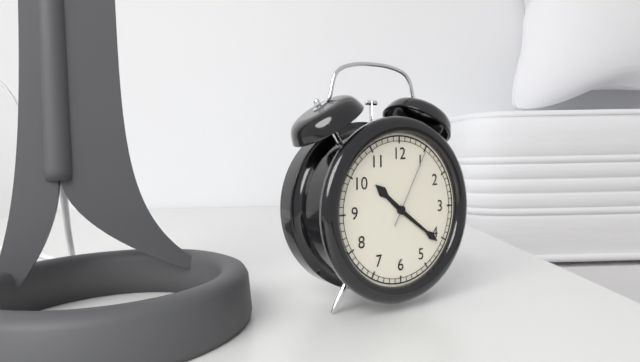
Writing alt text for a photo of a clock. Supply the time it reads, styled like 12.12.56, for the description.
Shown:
10.21.05
